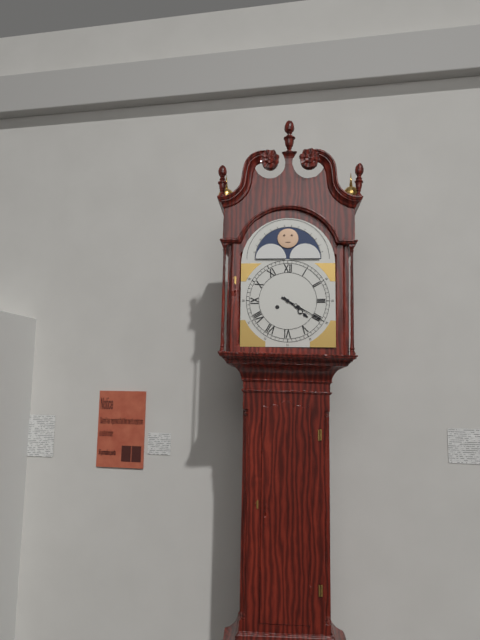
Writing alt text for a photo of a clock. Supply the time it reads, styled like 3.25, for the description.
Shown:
4.20
